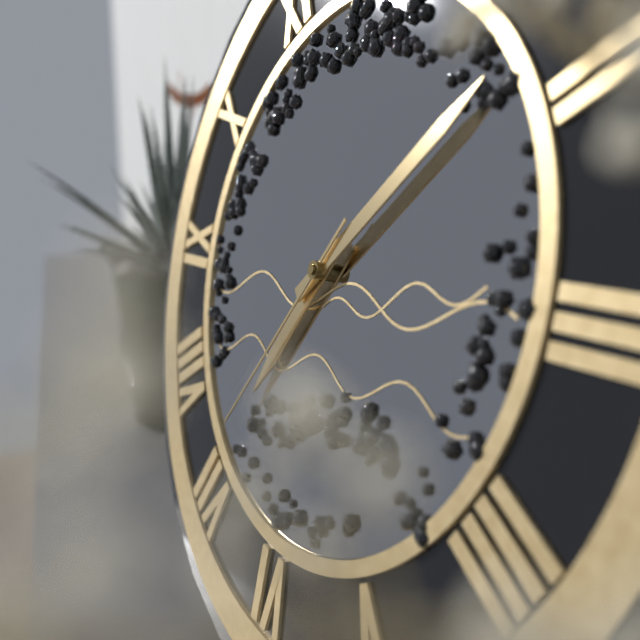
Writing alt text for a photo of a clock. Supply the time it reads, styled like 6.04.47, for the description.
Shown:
7.08.36
